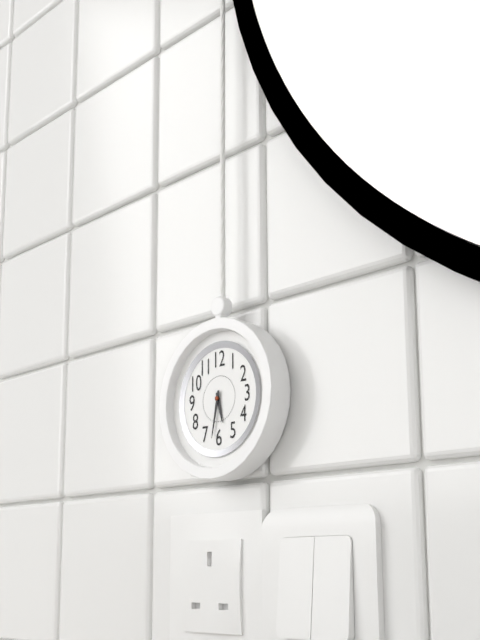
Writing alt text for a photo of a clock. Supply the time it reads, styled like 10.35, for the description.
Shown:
5.32
